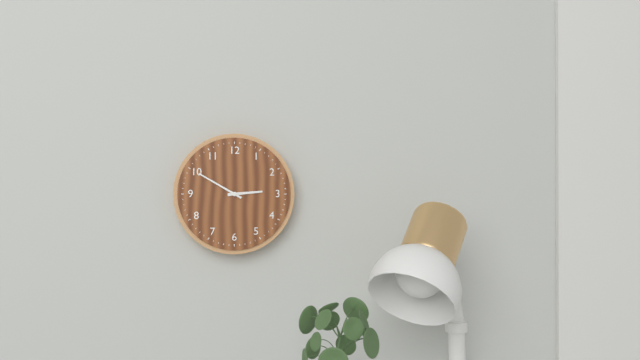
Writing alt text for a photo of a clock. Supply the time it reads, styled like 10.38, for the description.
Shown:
2.50
